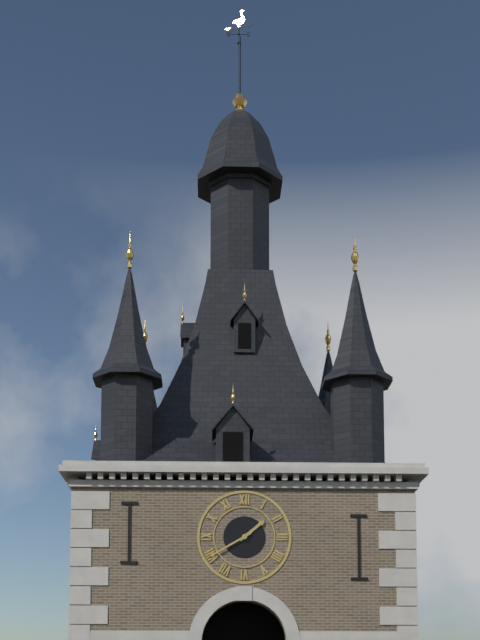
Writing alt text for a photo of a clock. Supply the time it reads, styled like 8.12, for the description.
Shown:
1.40
